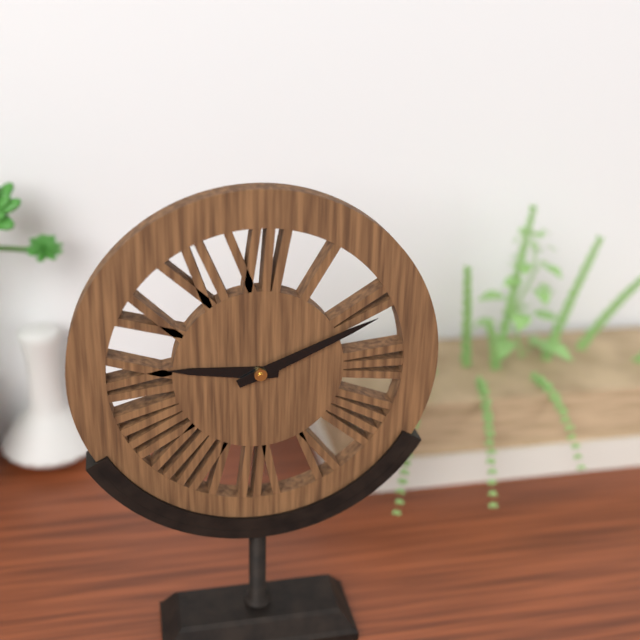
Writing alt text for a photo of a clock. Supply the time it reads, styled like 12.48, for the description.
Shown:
9.11
